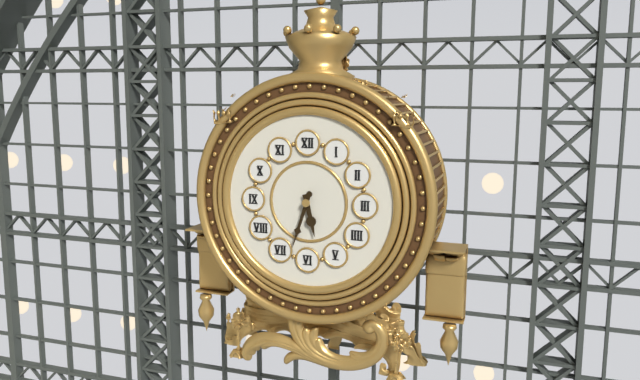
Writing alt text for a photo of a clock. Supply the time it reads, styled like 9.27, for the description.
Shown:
5.33
